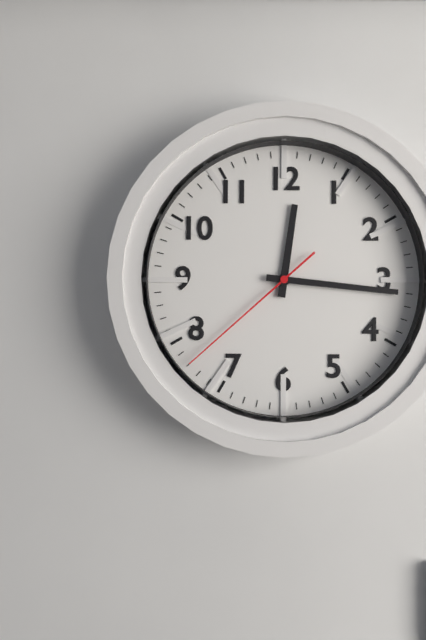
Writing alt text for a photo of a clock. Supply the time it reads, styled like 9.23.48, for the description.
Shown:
12.16.38
